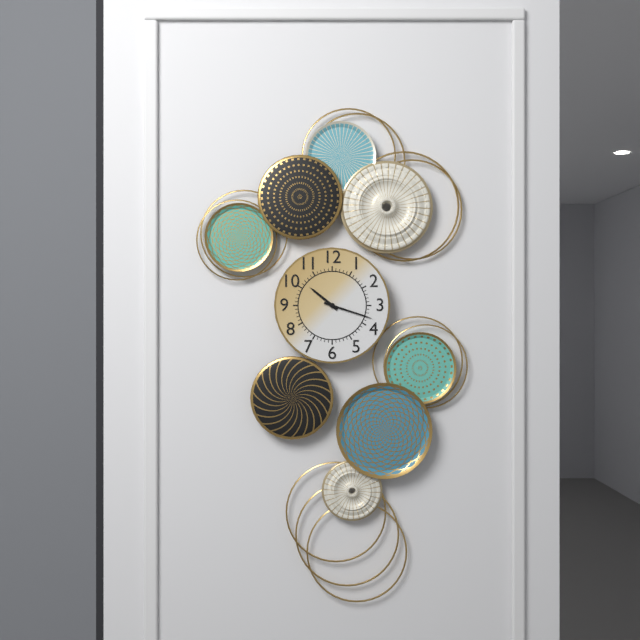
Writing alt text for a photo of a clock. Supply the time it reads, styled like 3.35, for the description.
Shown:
10.18
